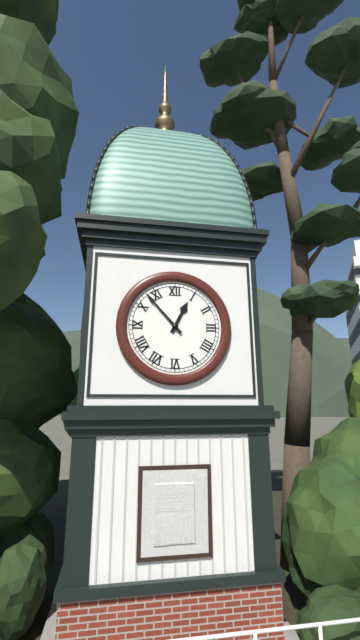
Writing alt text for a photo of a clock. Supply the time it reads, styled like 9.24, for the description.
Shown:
12.53
